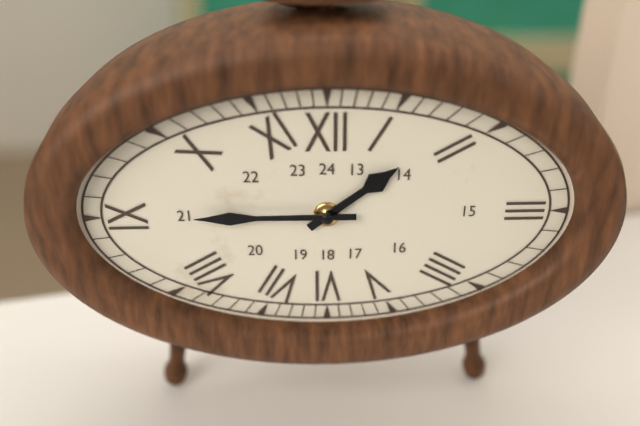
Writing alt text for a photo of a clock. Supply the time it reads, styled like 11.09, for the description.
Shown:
1.45
